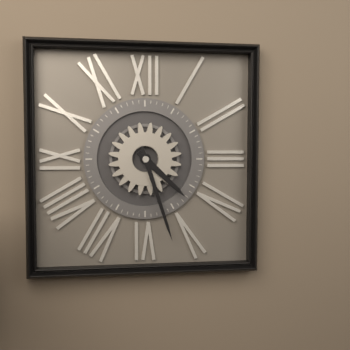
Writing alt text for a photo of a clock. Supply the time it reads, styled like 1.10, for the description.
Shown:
4.27
